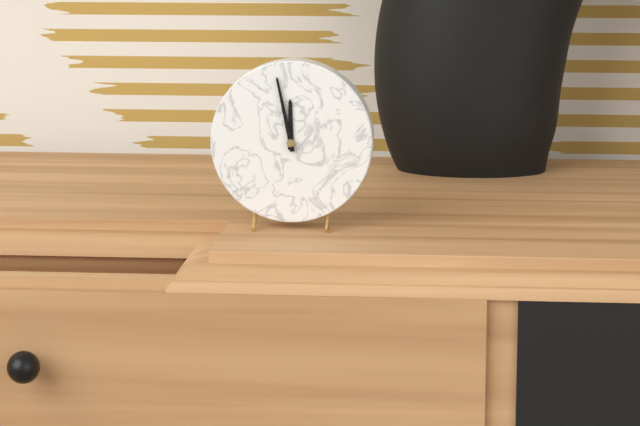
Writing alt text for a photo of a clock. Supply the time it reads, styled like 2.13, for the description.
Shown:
11.58
